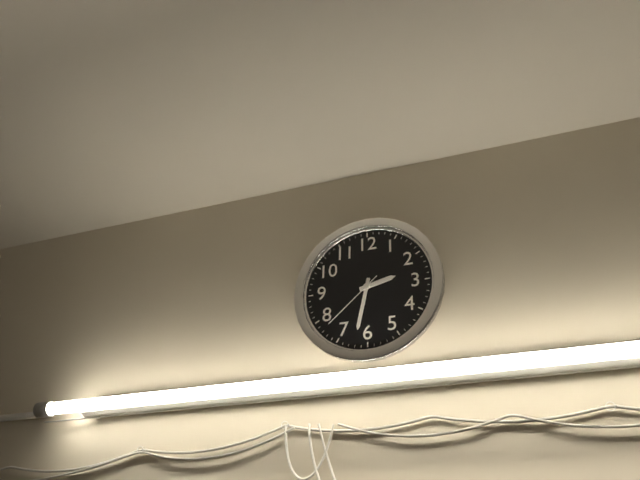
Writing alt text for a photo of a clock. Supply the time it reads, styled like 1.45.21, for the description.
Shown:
2.32.38
